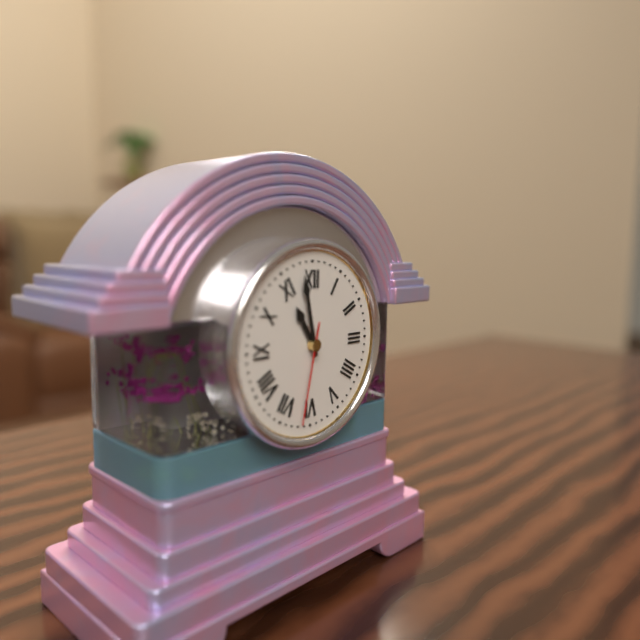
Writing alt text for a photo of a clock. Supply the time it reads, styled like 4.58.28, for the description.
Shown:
10.58.32
